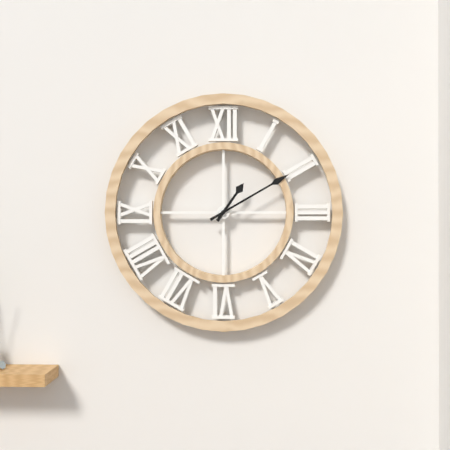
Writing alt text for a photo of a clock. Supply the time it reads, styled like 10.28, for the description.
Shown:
1.10
